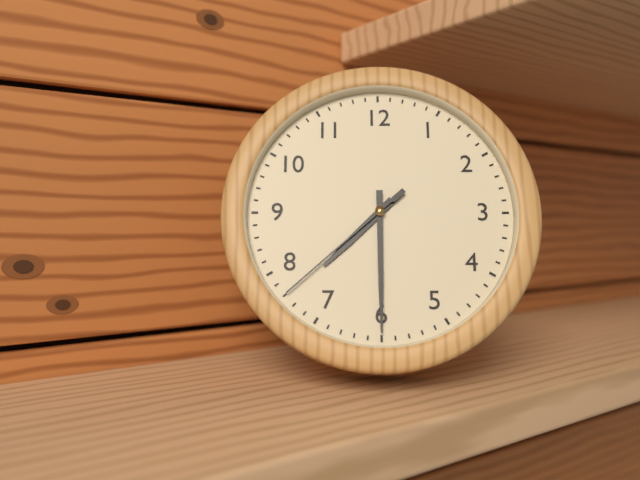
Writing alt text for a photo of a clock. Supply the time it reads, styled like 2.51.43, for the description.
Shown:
7.30.38
